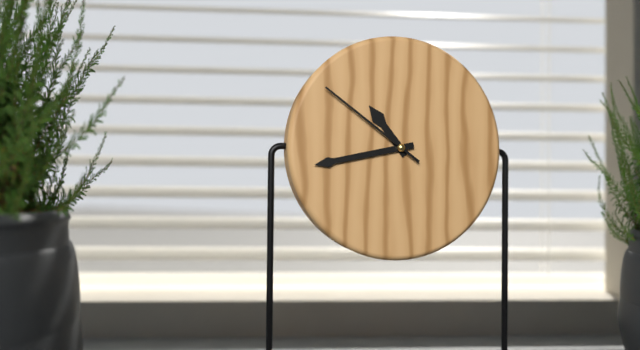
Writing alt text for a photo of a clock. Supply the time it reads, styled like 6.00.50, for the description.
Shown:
10.43.51
